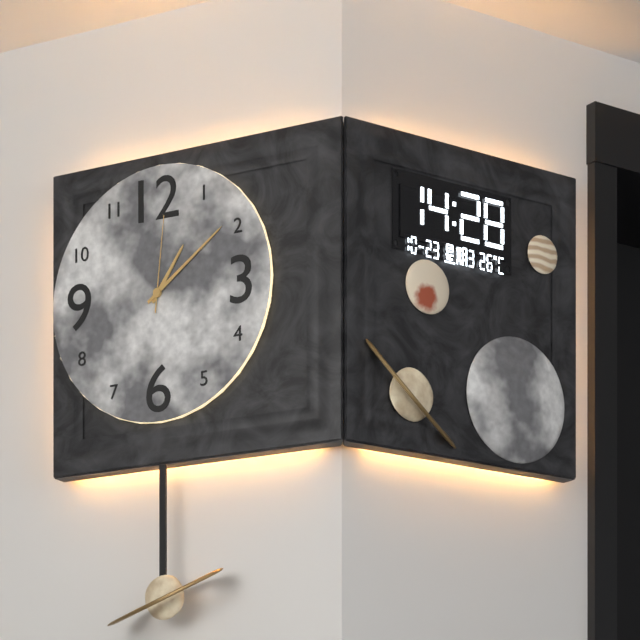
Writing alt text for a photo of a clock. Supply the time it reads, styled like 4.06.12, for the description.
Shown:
1.09.01
